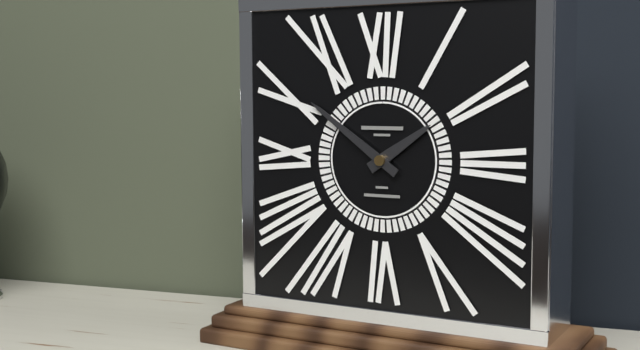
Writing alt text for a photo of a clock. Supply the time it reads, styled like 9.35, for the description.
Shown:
1.51
